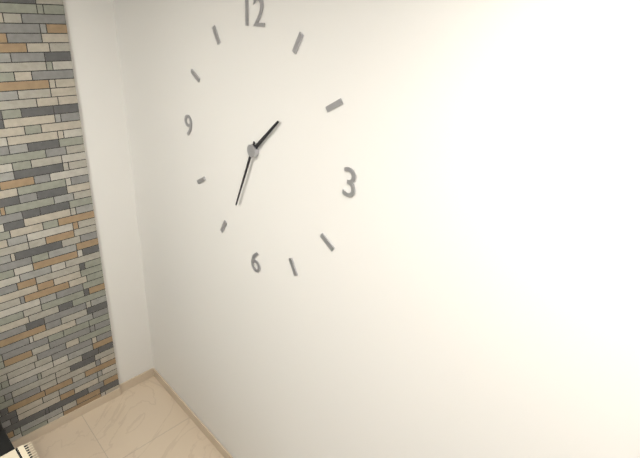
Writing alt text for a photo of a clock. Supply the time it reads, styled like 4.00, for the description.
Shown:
1.34
